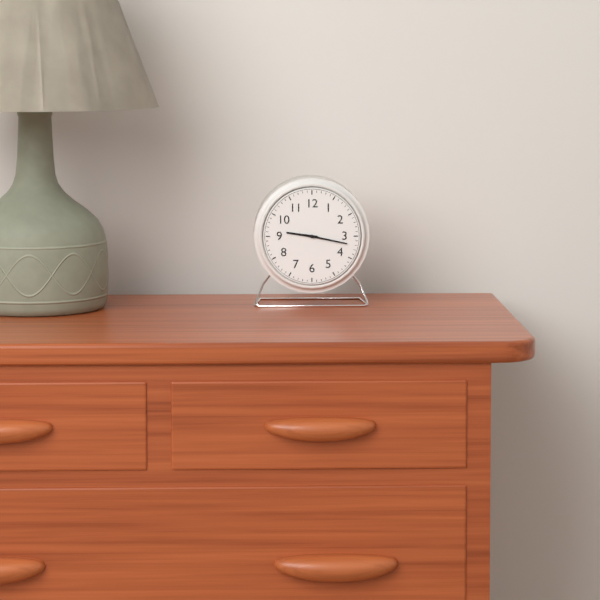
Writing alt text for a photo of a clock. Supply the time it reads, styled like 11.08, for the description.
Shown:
9.17
